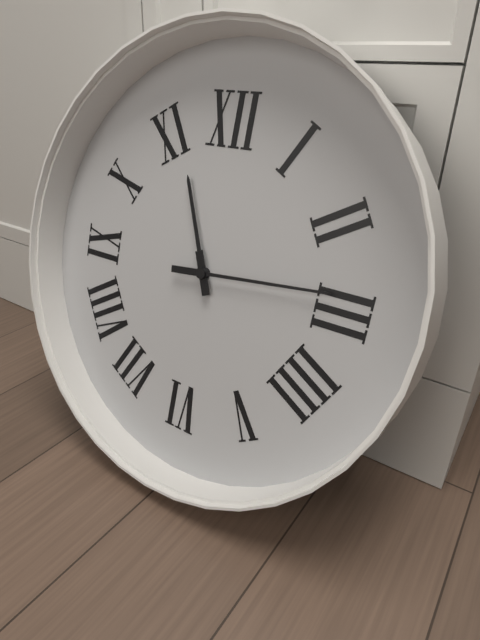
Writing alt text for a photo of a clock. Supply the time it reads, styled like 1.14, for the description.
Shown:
11.14
